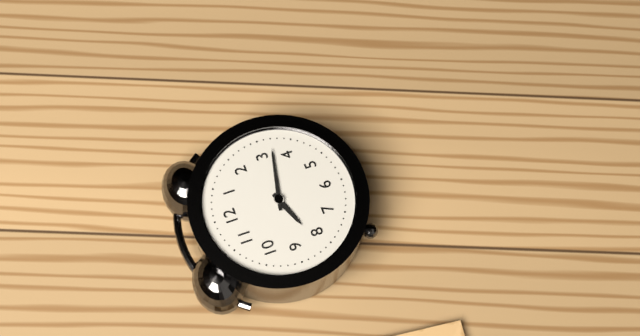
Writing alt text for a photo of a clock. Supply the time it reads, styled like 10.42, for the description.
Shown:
8.17
